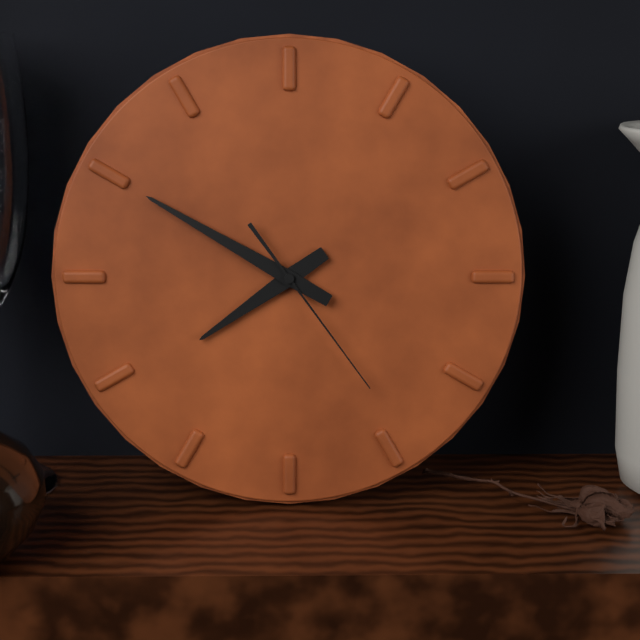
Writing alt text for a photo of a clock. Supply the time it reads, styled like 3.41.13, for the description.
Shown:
7.50.24
